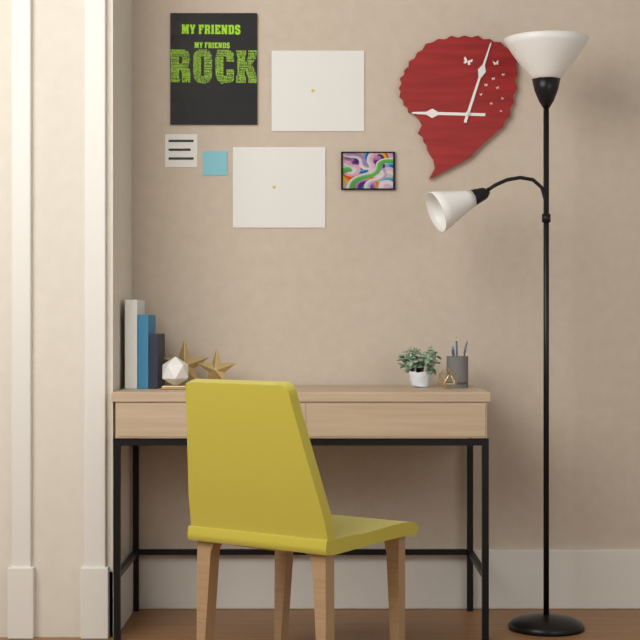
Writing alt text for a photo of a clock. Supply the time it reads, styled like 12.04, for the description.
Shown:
9.03
